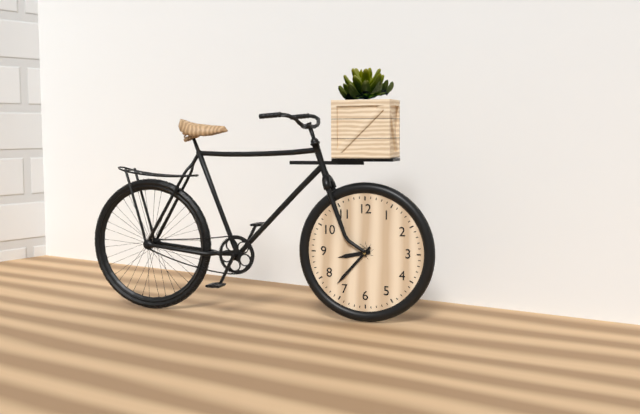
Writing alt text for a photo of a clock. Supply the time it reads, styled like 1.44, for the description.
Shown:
8.37
